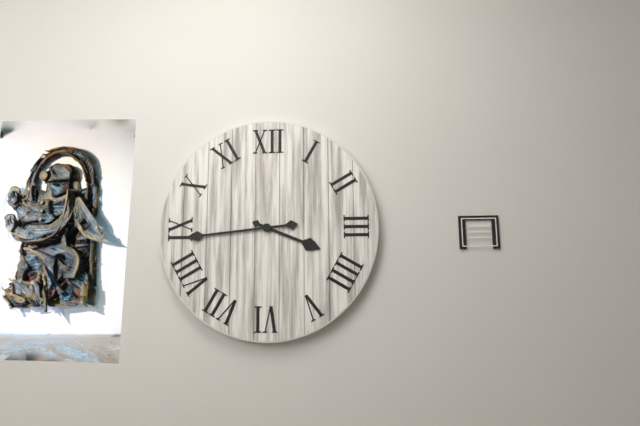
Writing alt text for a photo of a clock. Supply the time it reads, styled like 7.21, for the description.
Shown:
3.44
